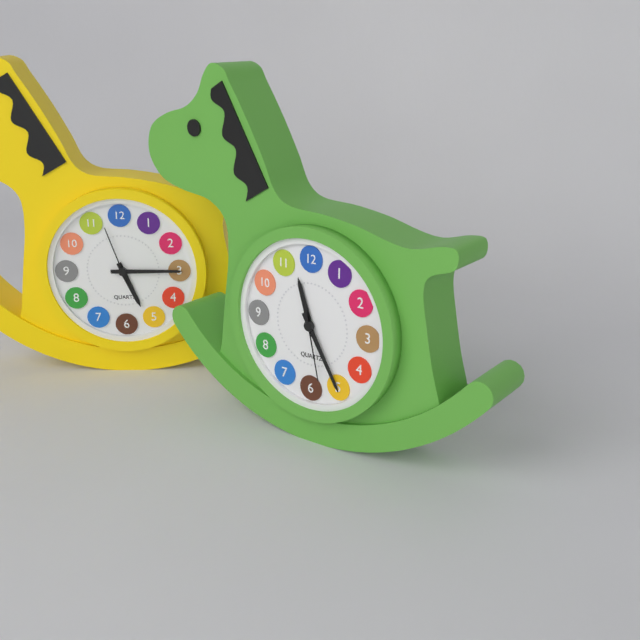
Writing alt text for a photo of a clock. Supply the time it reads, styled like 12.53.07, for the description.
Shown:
11.25.28
